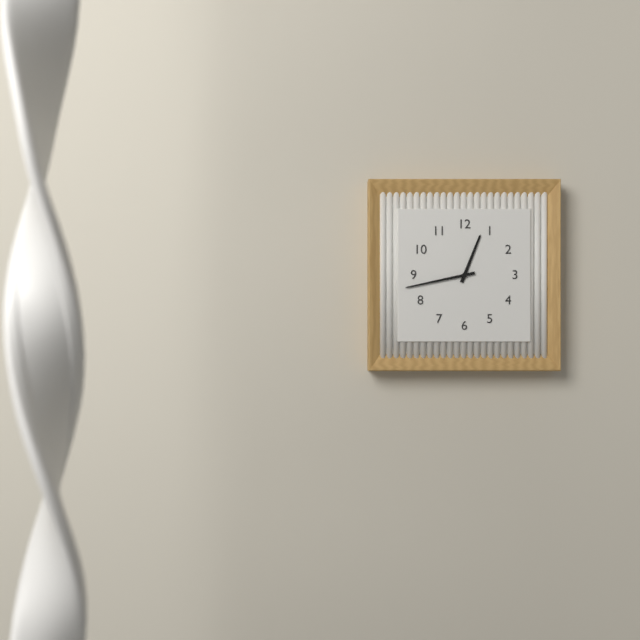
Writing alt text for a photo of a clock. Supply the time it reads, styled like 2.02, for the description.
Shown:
12.43
